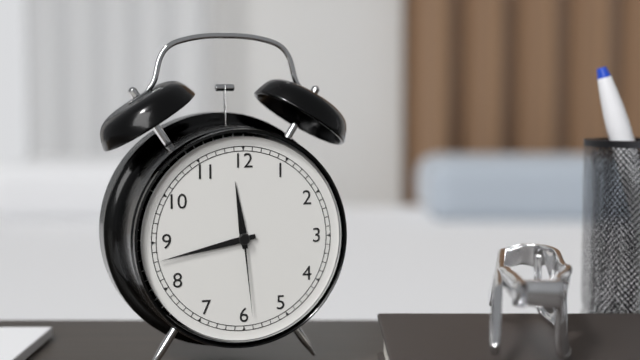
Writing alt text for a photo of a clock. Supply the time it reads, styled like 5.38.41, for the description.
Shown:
11.43.29
